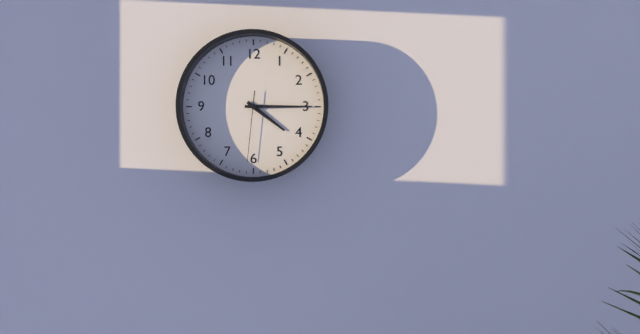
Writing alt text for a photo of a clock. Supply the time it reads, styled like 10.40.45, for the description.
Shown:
4.15.31
